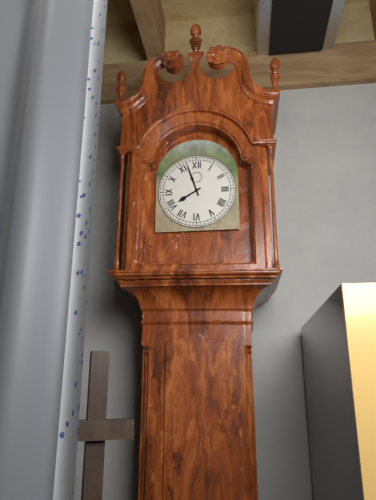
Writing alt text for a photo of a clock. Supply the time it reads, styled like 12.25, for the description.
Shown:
7.57
